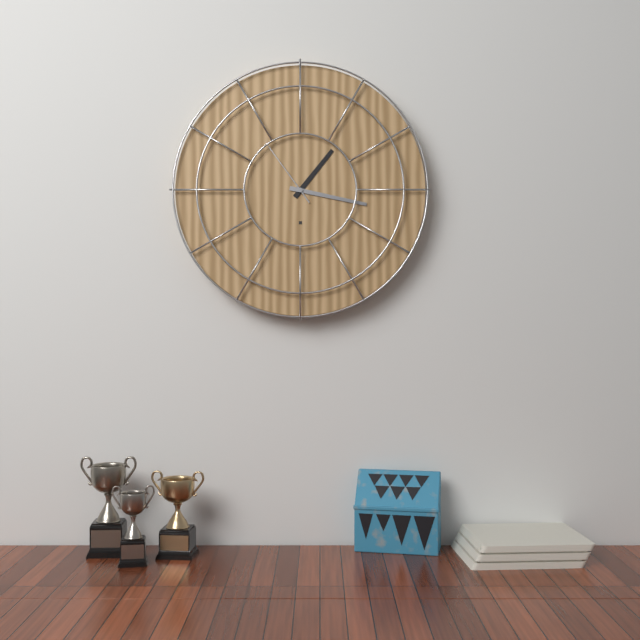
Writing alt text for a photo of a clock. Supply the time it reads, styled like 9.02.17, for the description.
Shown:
1.17.54
